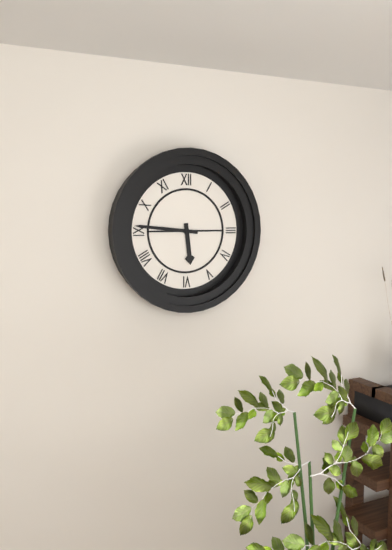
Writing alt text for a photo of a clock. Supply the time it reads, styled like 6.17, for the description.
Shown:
5.46
